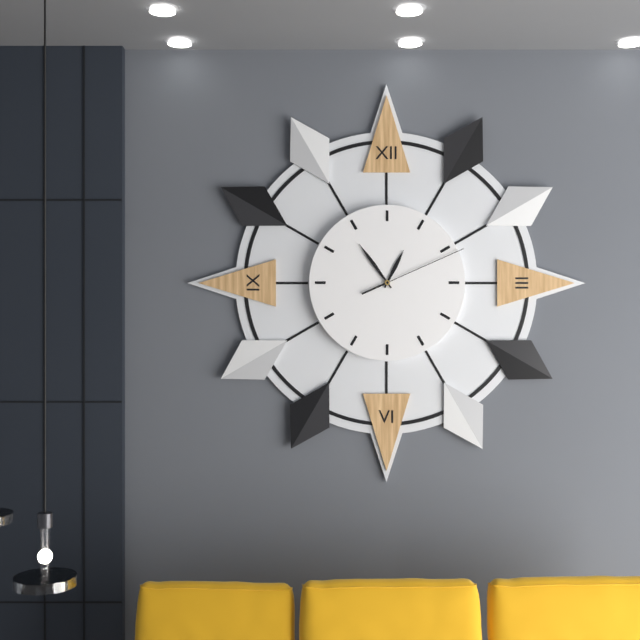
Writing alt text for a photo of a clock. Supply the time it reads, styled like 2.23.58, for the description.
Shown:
12.54.11
